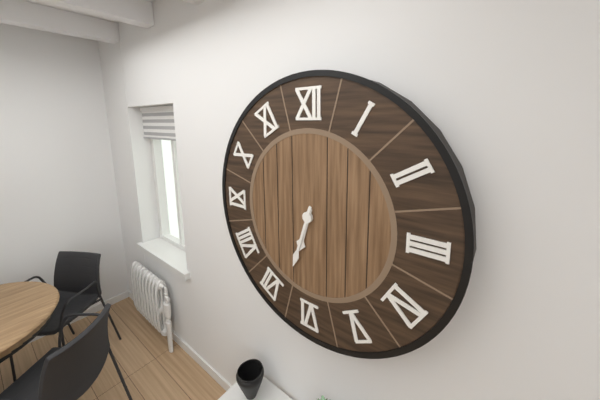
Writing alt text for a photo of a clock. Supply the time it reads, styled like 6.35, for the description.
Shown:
6.33
